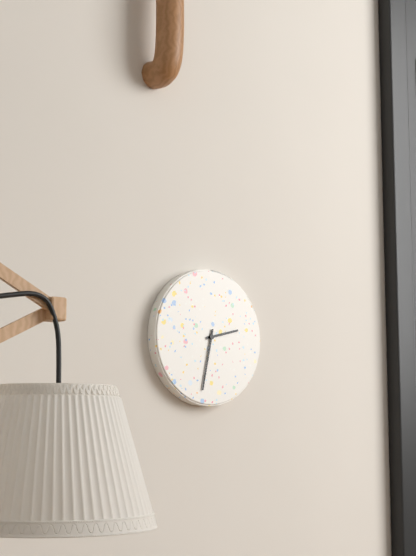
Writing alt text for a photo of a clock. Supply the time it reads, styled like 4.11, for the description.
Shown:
2.32
